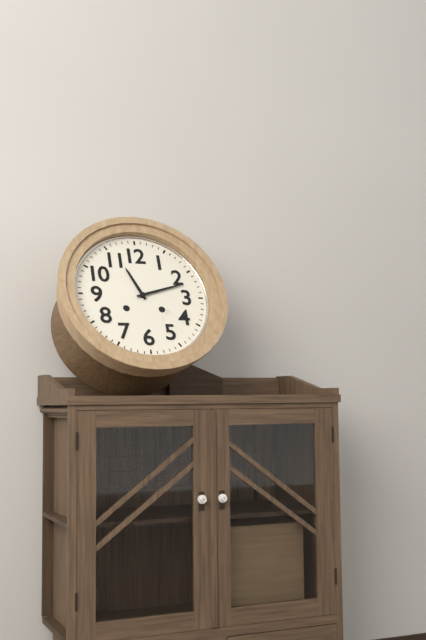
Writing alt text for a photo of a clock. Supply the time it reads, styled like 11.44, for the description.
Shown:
11.12
